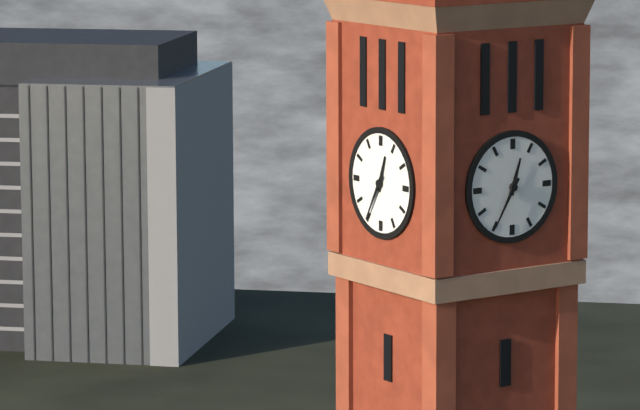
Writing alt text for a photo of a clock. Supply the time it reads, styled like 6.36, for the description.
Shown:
12.35
